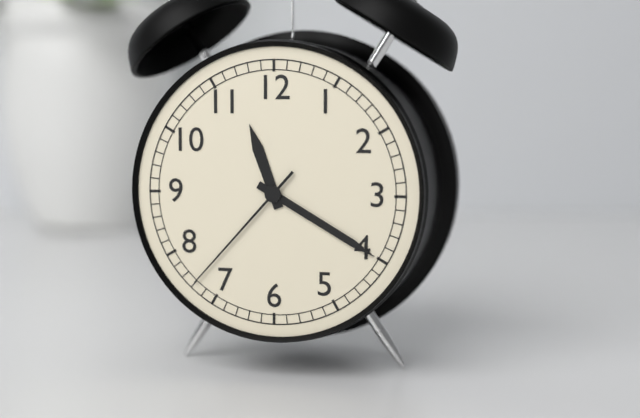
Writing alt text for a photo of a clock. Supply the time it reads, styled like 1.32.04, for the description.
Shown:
11.20.37
